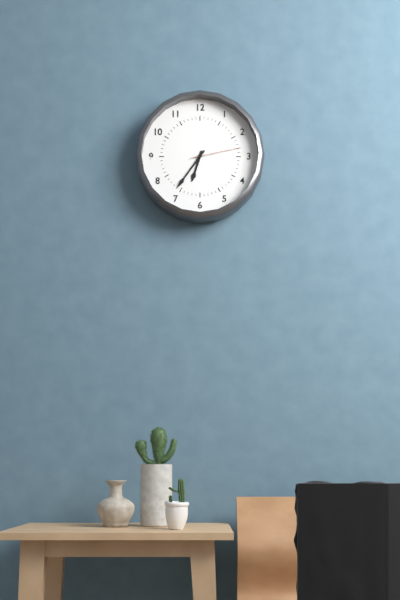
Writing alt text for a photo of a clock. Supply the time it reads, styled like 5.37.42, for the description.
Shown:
6.36.13
